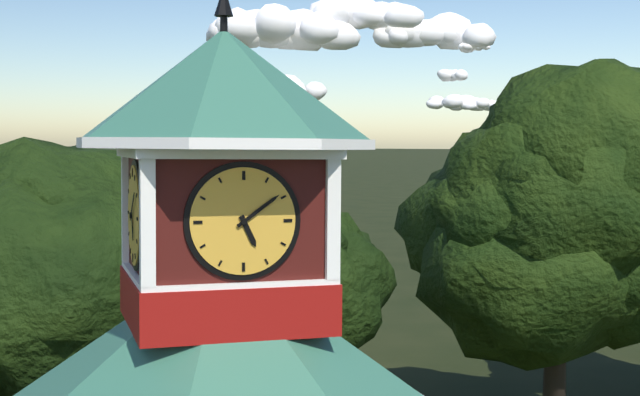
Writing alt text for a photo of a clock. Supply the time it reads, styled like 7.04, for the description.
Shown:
5.09
